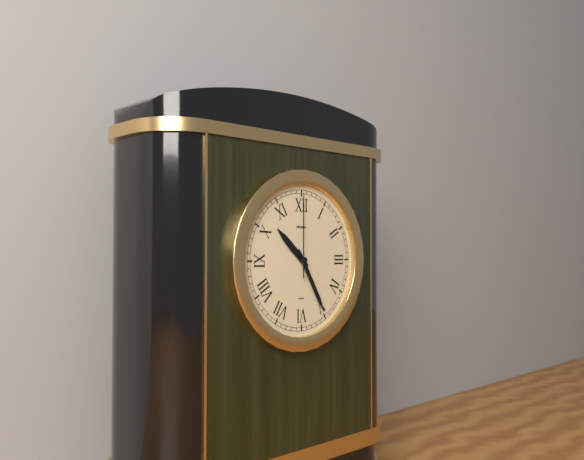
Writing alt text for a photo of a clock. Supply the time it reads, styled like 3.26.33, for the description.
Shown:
10.25.00
